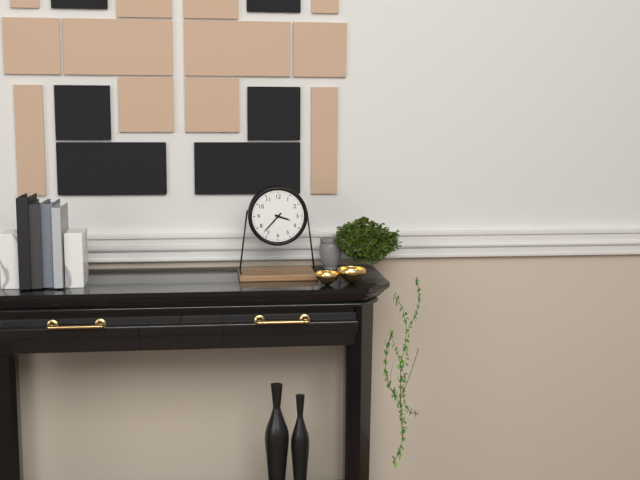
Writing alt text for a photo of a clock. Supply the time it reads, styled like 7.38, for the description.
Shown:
3.37
